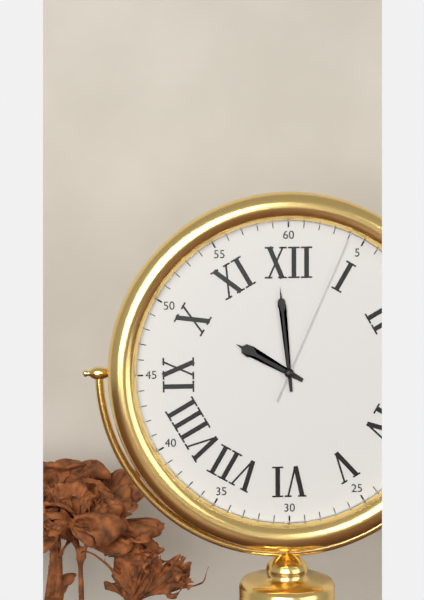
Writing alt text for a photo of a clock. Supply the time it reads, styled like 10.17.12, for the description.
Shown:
9.59.04
